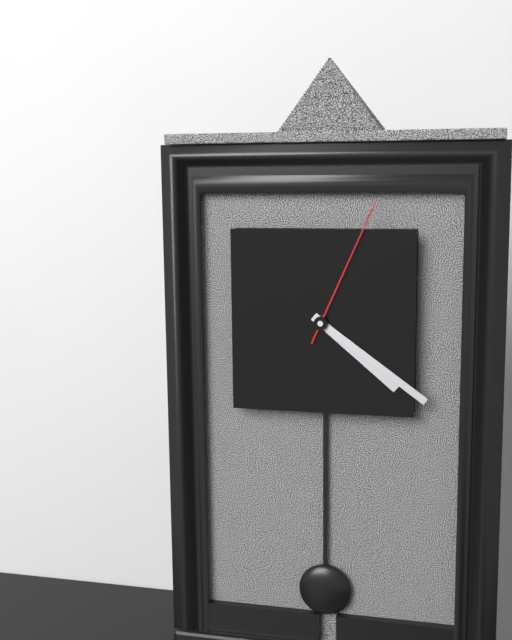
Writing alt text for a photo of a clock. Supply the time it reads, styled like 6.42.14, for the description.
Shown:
4.21.04
